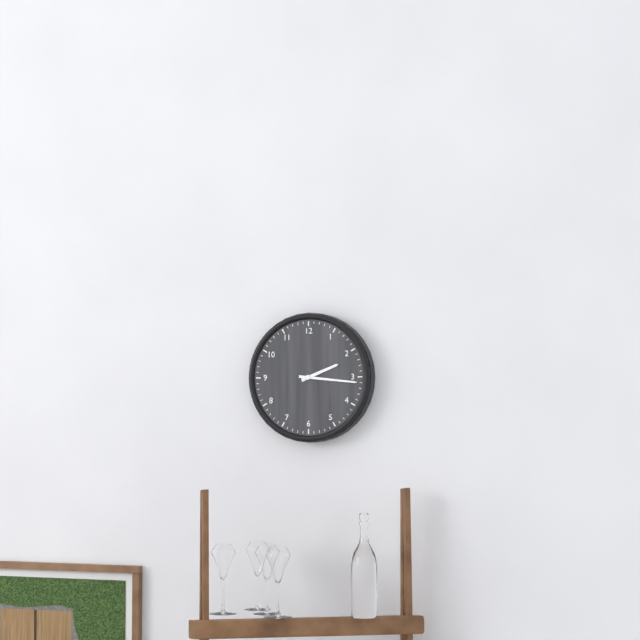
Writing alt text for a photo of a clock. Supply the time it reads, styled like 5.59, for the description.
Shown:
2.16
